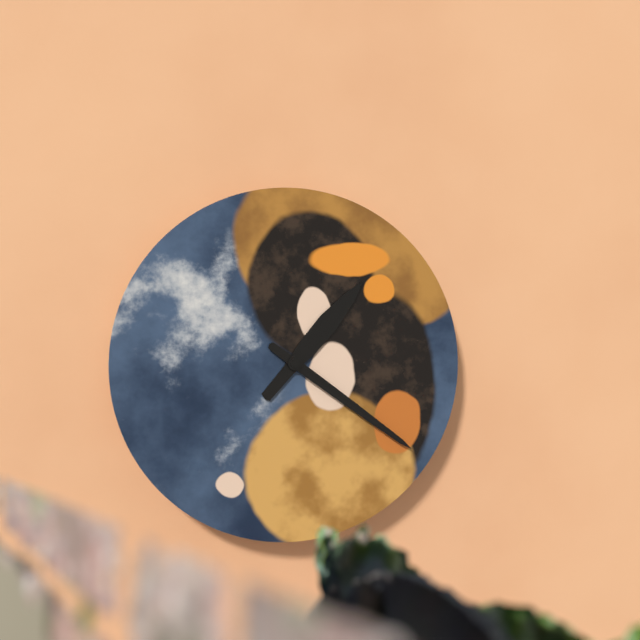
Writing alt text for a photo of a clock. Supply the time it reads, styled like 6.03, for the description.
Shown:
1.21
